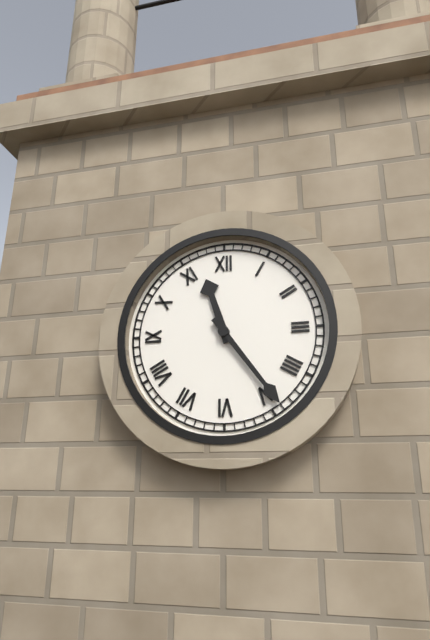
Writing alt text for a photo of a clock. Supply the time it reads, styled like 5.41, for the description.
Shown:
11.24
